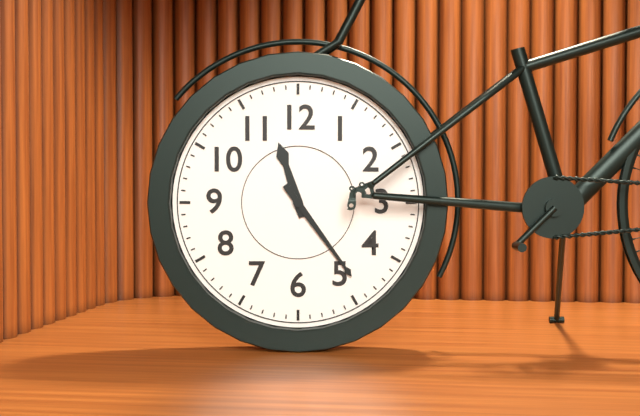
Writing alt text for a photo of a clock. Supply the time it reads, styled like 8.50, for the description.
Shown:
11.24
